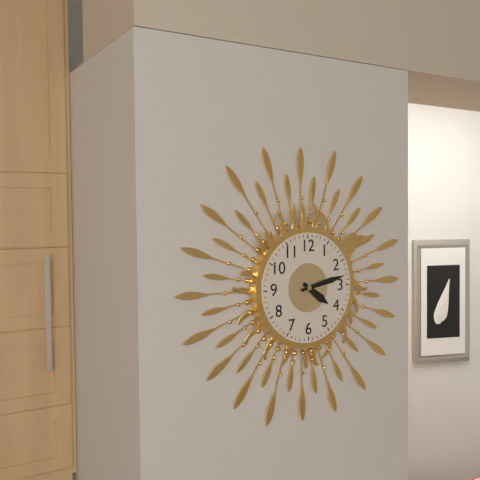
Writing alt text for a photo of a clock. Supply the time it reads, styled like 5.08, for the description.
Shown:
4.13
